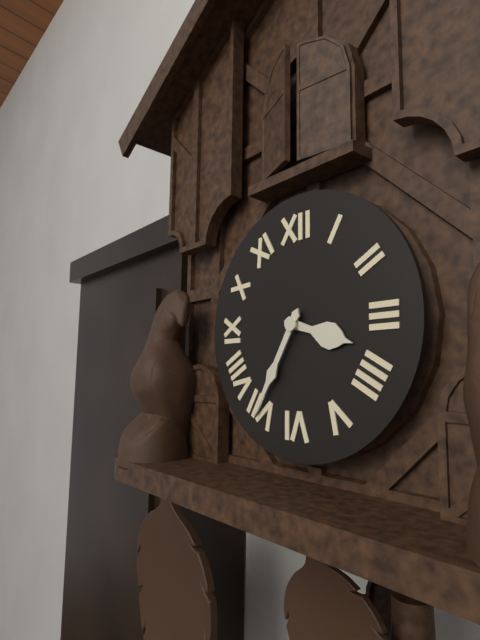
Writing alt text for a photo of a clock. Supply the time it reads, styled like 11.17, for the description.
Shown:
3.35
